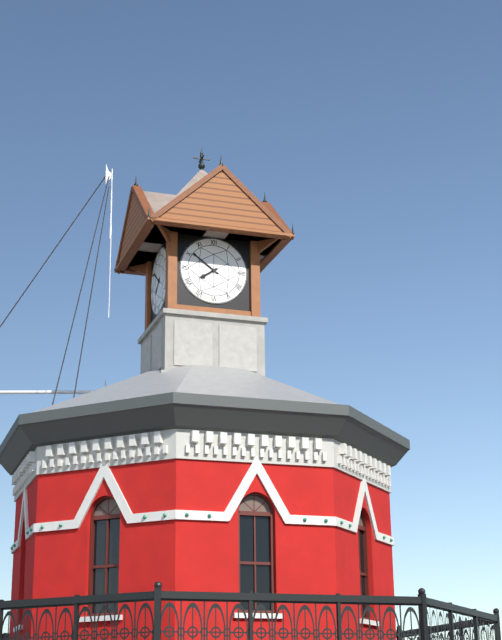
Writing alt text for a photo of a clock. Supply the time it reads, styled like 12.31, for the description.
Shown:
7.51
